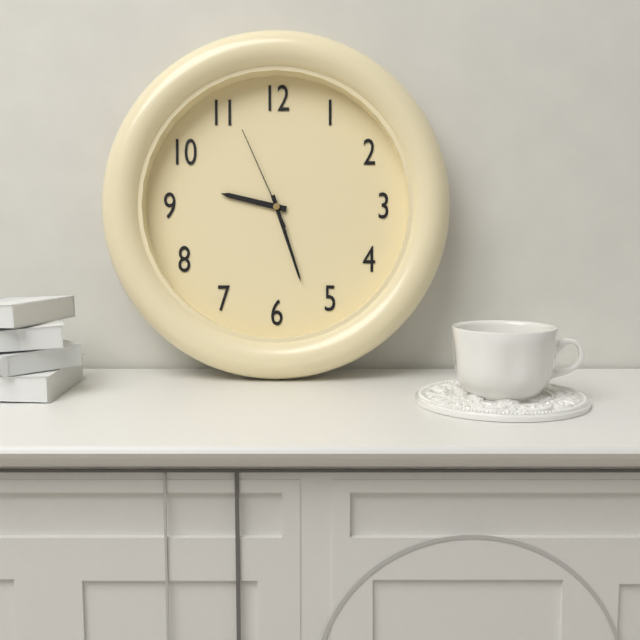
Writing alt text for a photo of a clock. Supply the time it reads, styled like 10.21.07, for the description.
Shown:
9.27.56
